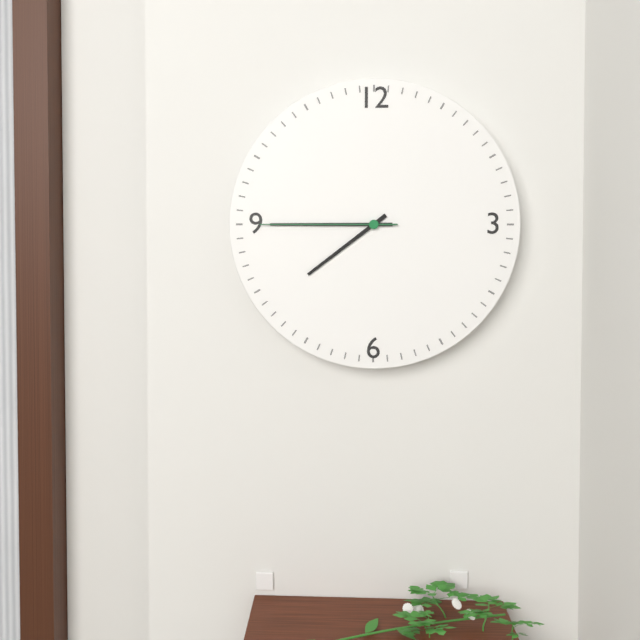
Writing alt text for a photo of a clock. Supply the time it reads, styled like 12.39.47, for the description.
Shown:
7.45.45
